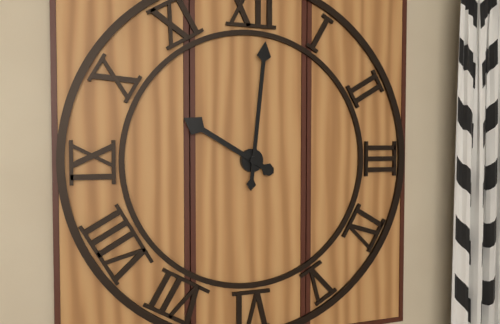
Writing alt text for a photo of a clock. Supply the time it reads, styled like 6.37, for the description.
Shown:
10.01
